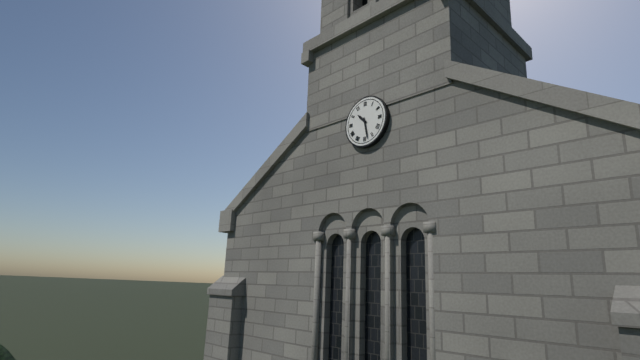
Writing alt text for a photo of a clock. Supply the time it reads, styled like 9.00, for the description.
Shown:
10.28
